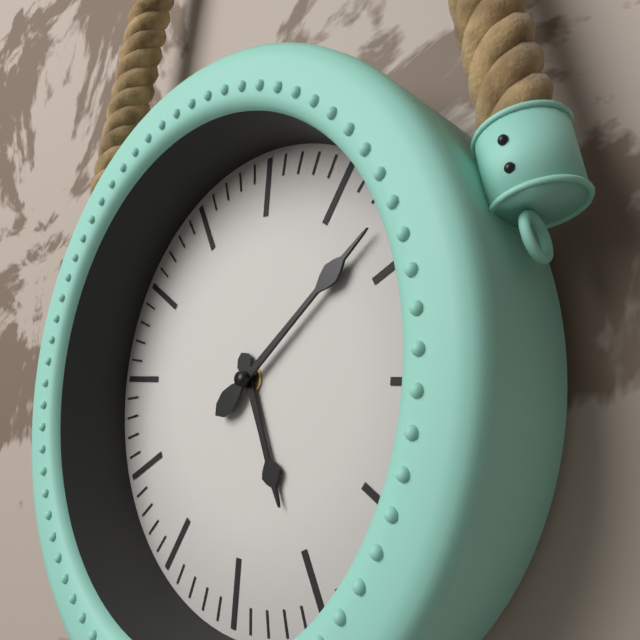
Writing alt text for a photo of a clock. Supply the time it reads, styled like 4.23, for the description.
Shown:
5.08
